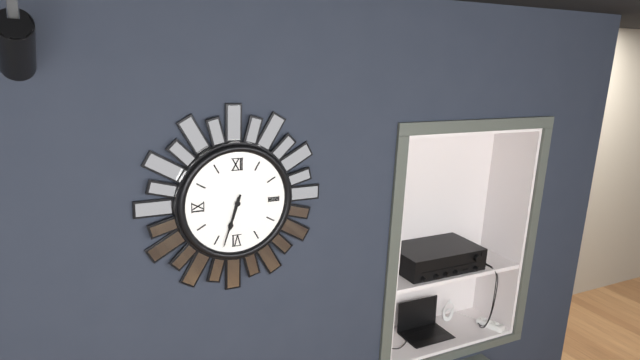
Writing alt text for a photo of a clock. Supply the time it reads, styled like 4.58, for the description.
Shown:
6.33
